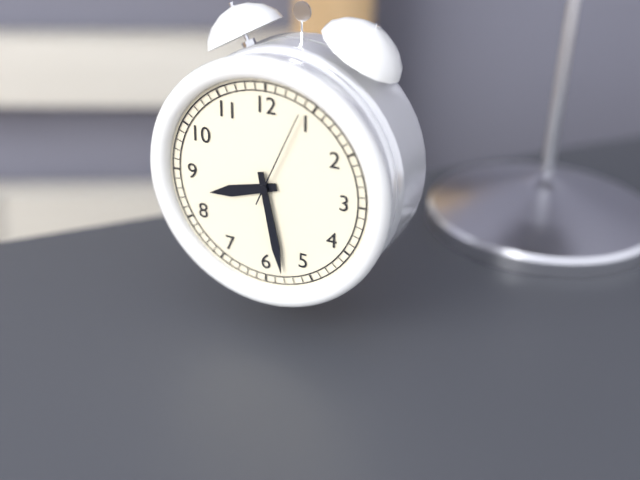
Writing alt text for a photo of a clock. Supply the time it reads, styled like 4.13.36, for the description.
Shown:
8.28.04
